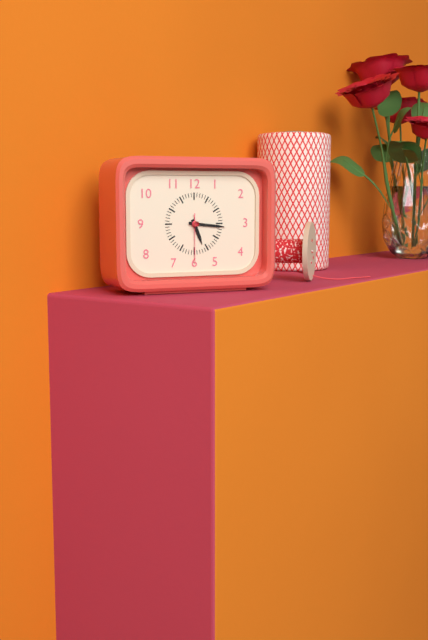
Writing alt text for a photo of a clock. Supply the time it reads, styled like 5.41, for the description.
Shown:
5.16
